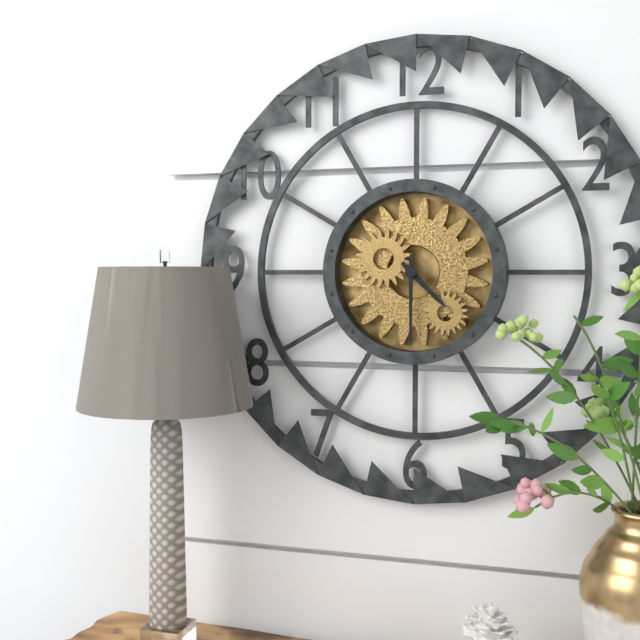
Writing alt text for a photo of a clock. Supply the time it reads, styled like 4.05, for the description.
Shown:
4.30
